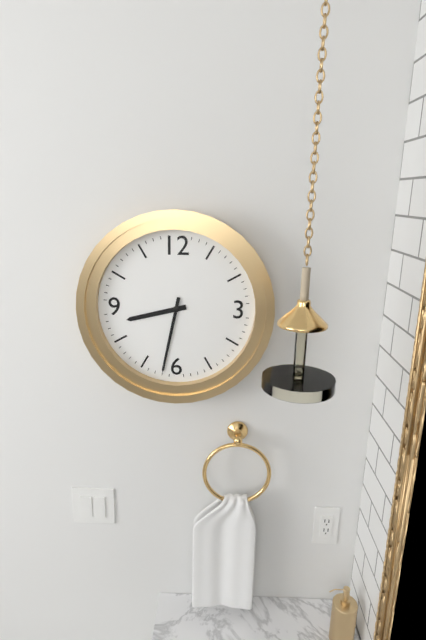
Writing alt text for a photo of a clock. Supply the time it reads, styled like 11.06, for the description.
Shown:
8.32
